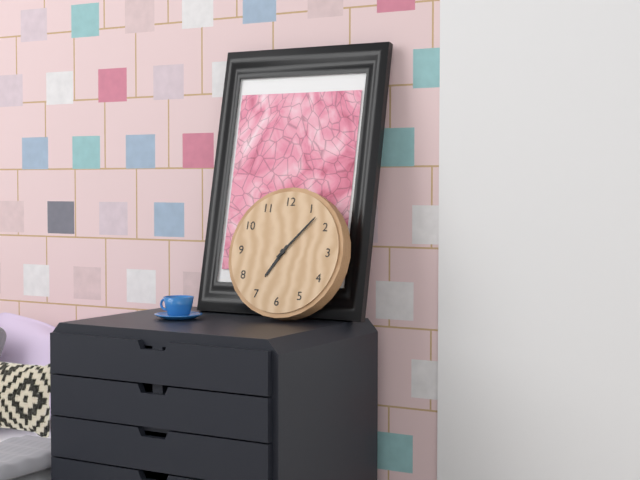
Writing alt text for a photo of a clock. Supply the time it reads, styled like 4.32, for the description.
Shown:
7.07
